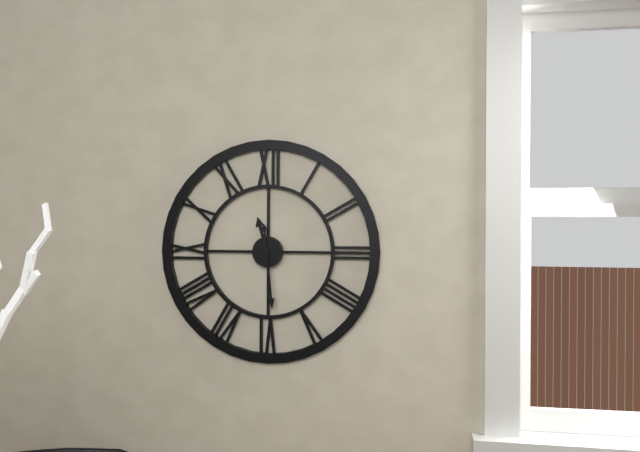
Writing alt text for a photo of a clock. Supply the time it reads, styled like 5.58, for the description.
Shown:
11.29
